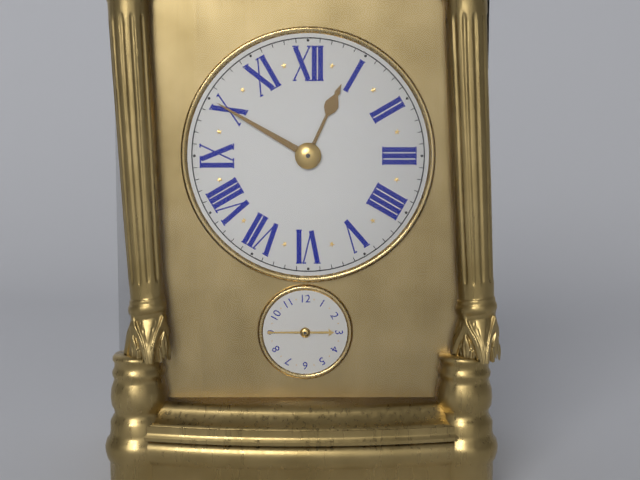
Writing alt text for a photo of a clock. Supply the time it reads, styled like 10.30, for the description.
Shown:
12.50
